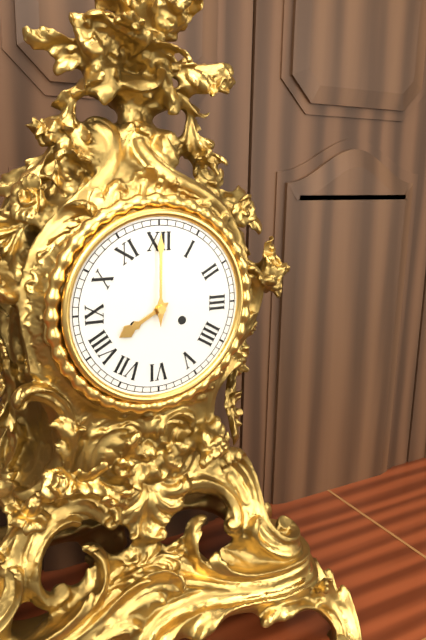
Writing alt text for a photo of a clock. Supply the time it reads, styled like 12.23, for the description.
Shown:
8.00
